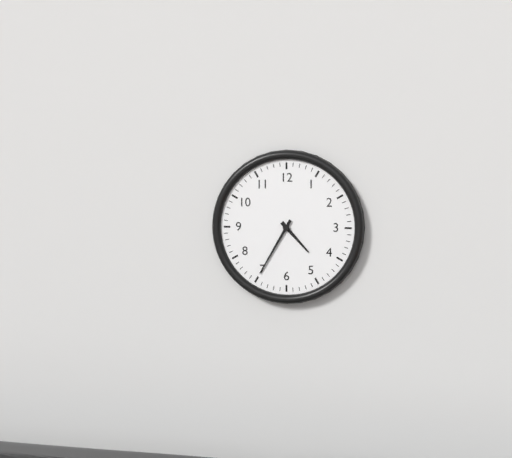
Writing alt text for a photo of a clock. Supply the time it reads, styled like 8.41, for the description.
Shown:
4.35
